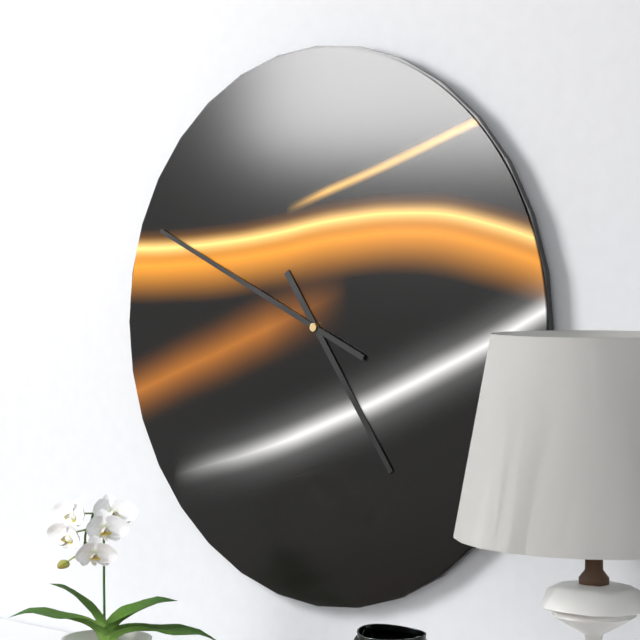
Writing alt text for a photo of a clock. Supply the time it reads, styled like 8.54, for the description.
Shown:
4.49
